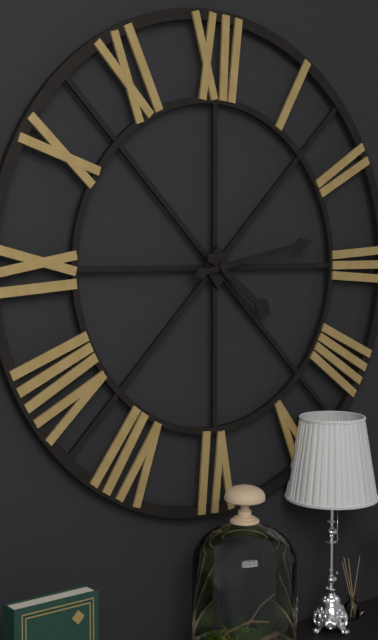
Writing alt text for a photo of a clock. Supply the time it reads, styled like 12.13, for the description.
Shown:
4.13
